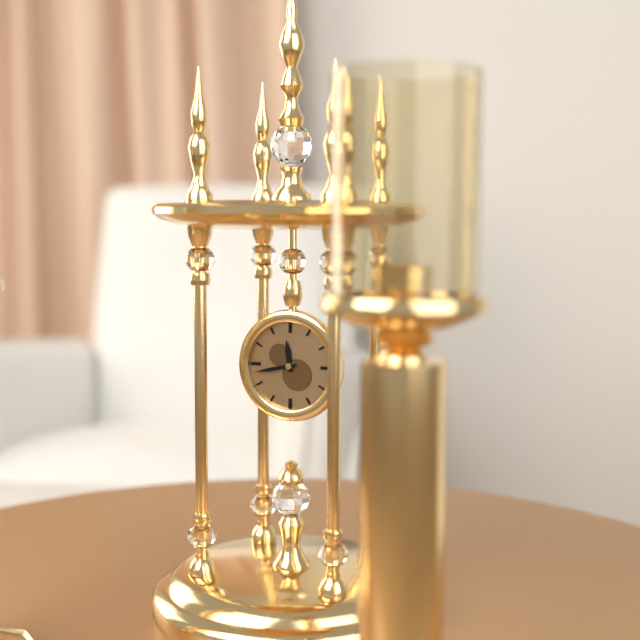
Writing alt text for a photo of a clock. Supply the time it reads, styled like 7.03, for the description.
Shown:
11.43
